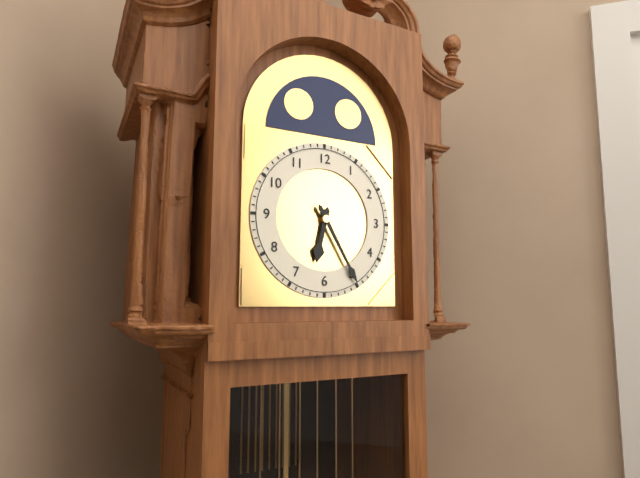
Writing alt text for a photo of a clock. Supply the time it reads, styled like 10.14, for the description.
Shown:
6.25
